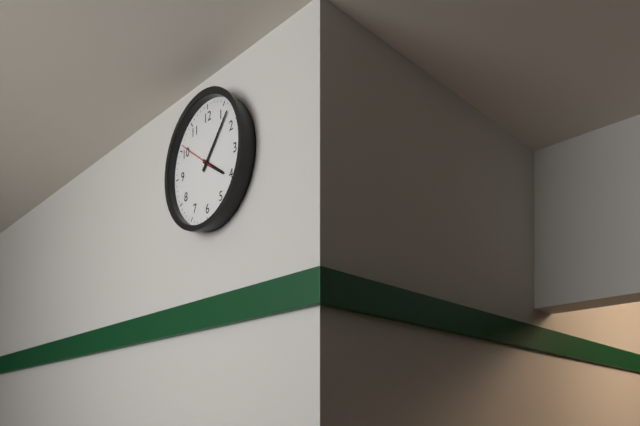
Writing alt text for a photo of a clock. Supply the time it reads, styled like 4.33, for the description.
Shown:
4.07
